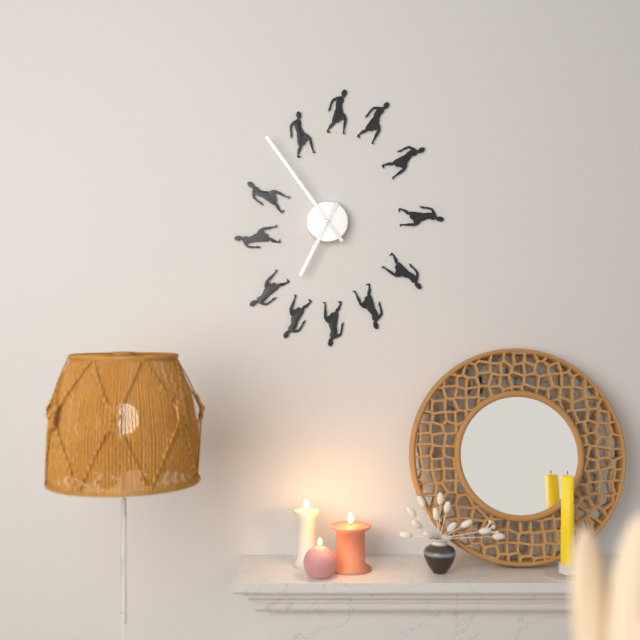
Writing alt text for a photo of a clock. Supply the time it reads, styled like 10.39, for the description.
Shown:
6.54
